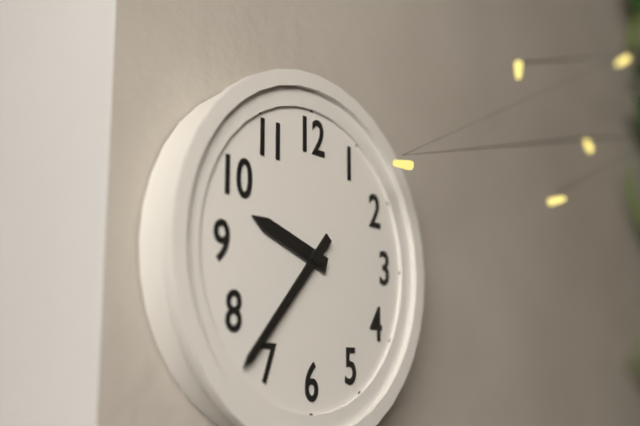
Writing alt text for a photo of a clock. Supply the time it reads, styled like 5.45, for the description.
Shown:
9.37
